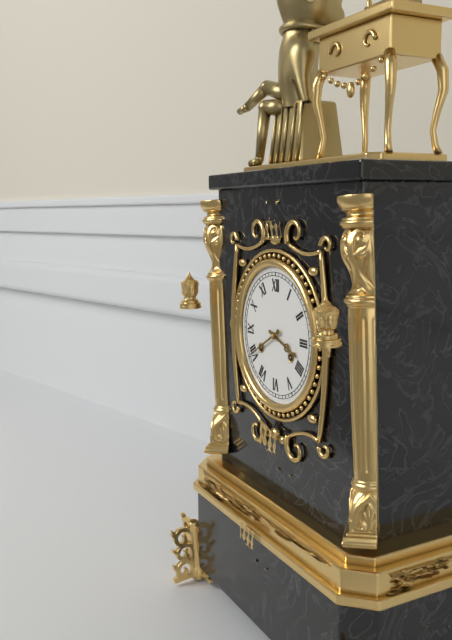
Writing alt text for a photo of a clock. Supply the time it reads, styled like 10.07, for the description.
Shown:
3.40
